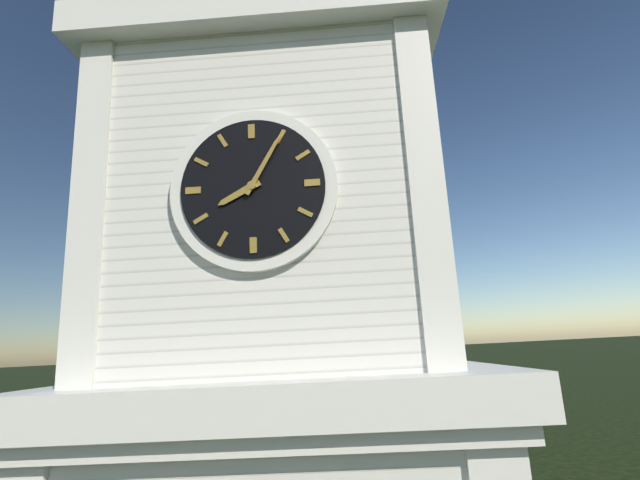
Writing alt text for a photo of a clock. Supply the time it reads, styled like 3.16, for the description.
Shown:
8.05
